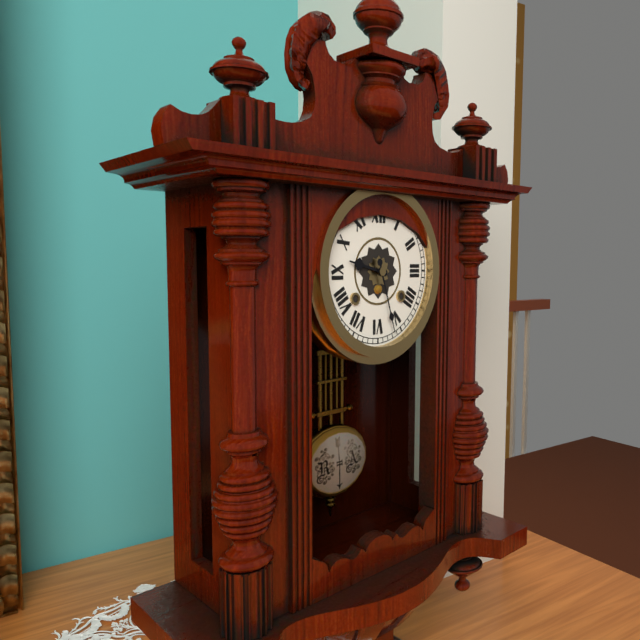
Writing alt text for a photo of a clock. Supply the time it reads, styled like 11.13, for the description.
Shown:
9.27
